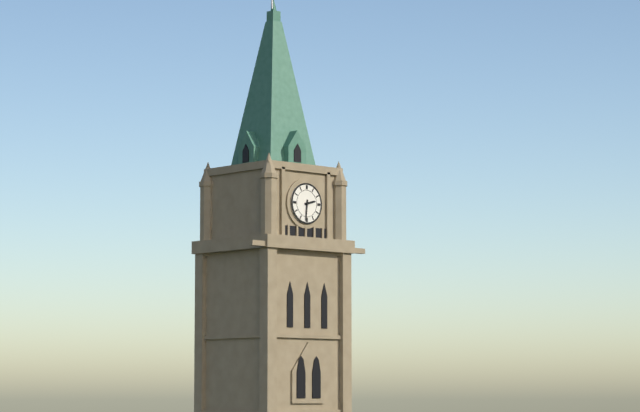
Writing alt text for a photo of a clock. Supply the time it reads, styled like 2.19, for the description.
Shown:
2.31
